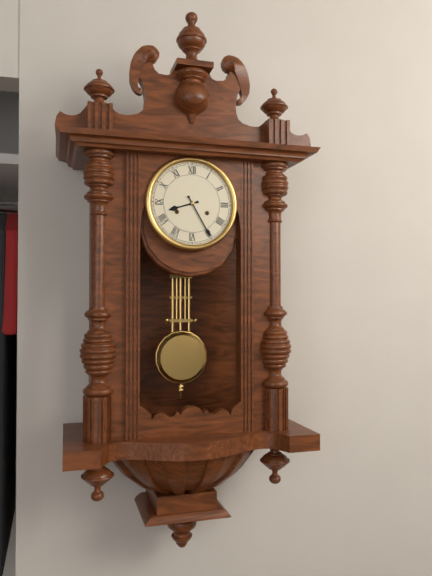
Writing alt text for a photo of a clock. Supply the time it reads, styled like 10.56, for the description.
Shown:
8.25
